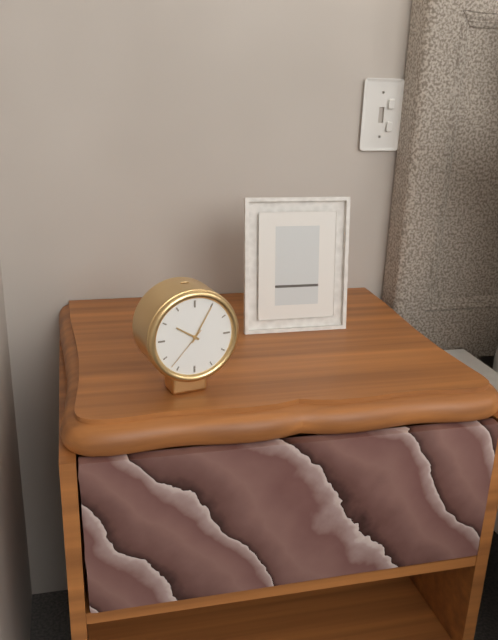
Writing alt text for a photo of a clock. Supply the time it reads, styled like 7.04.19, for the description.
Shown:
10.05.37
